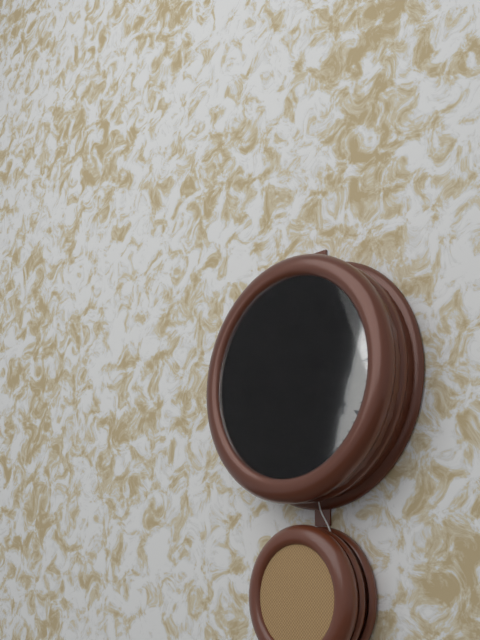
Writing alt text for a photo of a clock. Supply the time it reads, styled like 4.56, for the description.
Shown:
7.20
